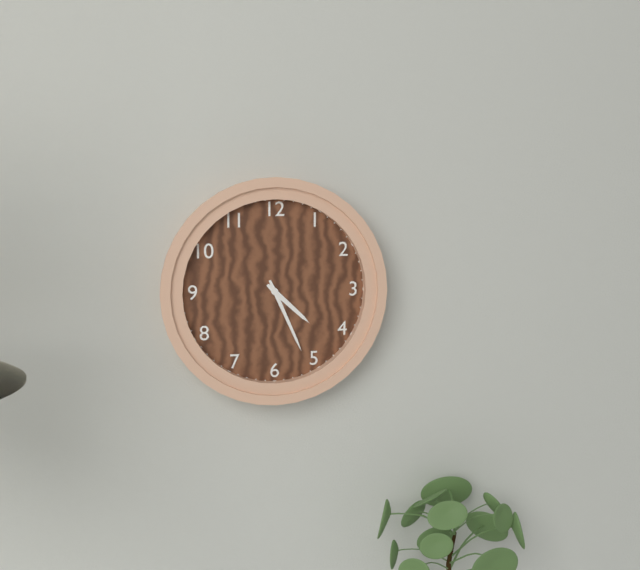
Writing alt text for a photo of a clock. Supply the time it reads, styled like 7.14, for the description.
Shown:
4.26
